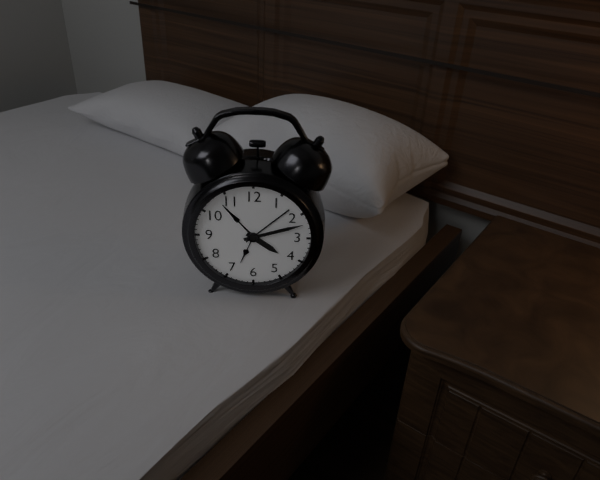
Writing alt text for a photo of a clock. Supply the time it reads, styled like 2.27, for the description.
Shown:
4.12
